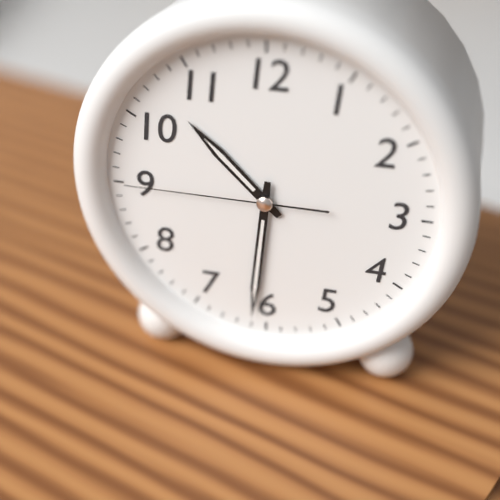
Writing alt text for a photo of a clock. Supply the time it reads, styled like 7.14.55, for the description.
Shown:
10.31.45
